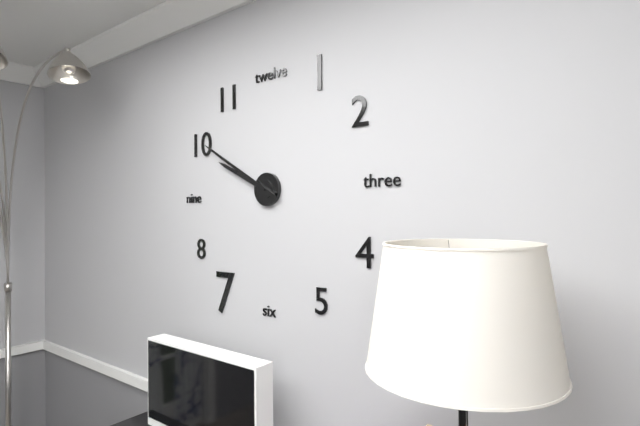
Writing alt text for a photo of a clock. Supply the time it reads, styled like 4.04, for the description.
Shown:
9.50
